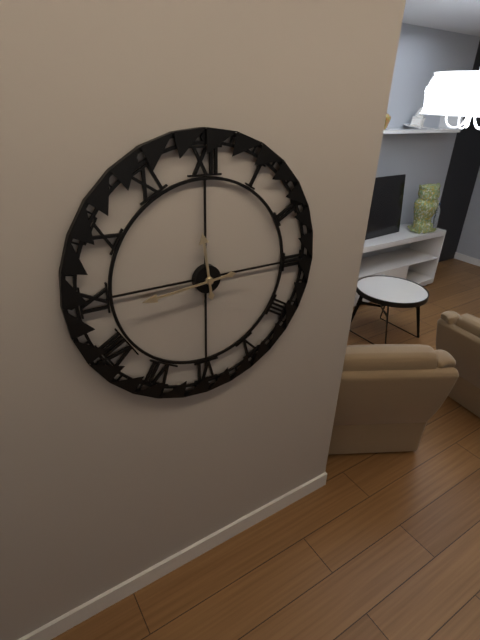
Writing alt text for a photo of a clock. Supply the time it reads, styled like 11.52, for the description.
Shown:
11.44
